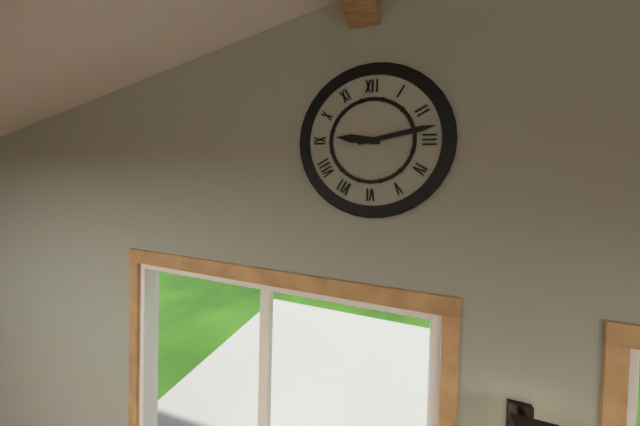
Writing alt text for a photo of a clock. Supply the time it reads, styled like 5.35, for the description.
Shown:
9.13
